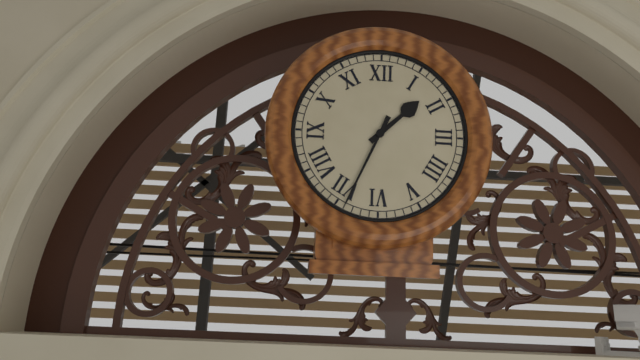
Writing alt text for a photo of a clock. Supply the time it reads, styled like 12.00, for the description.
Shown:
1.34
